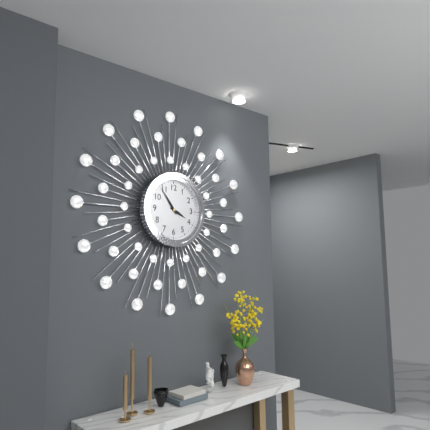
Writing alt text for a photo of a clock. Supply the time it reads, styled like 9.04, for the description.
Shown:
3.54
